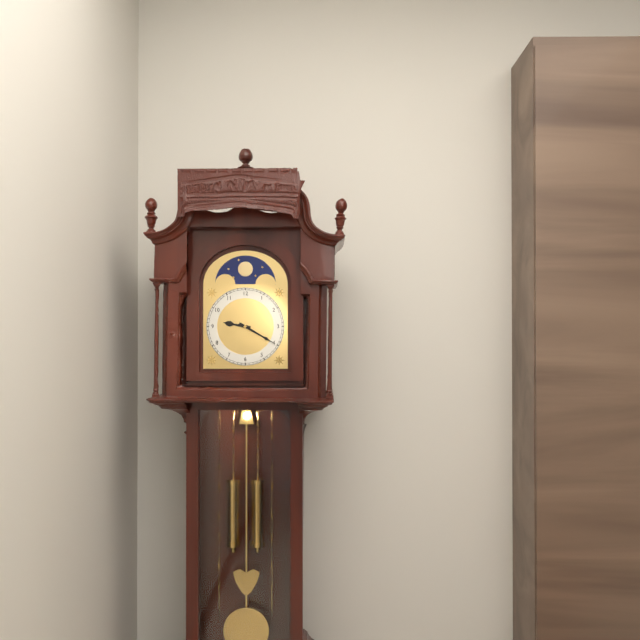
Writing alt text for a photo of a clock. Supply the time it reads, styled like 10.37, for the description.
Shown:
9.20
